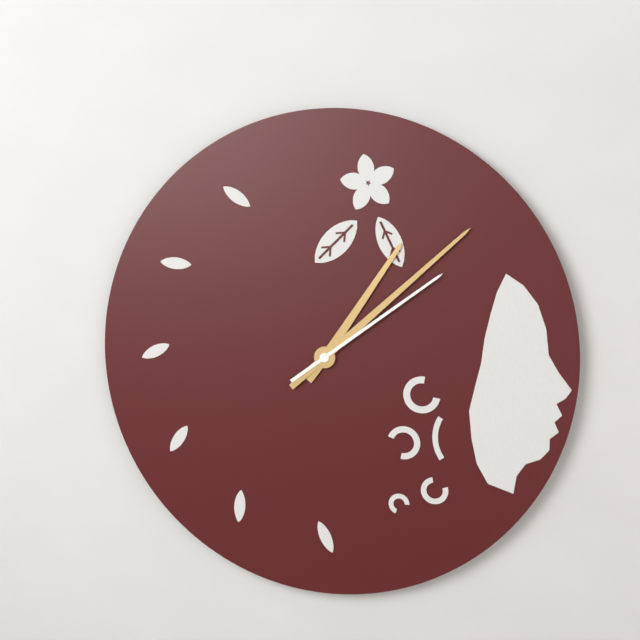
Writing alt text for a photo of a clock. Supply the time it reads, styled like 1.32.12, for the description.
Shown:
1.08.09
